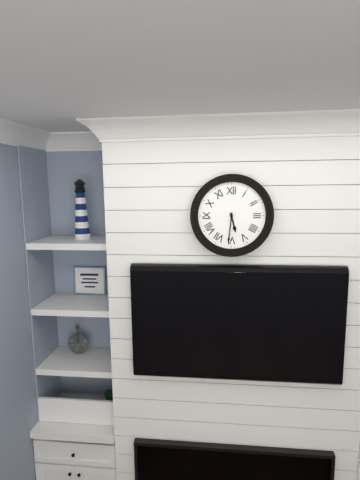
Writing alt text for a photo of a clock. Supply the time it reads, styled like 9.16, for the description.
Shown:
5.31
